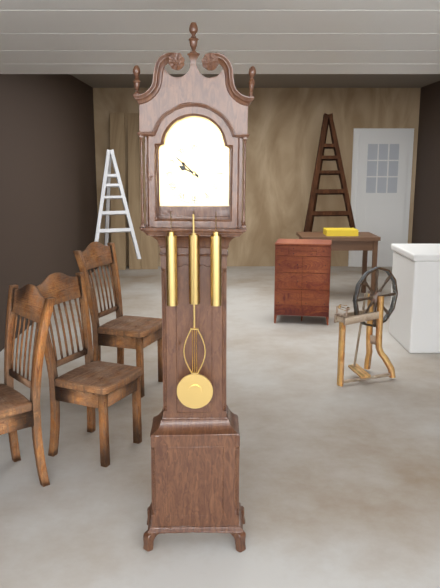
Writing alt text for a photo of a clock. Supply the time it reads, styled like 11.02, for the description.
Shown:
9.52
